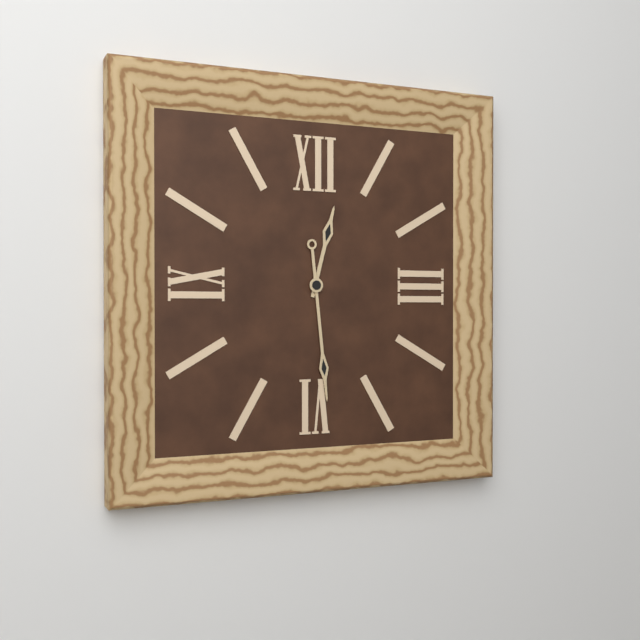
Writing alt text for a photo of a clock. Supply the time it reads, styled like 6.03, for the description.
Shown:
12.29
